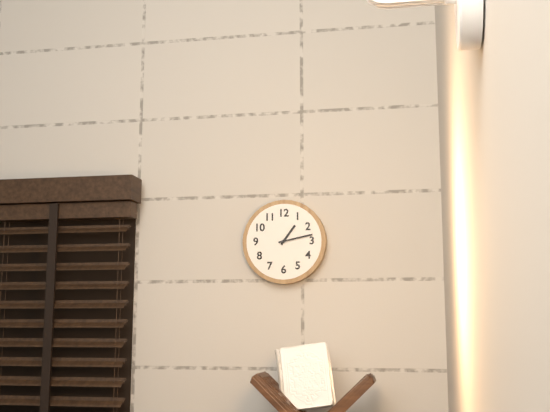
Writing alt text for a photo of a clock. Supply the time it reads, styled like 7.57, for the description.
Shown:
1.13
